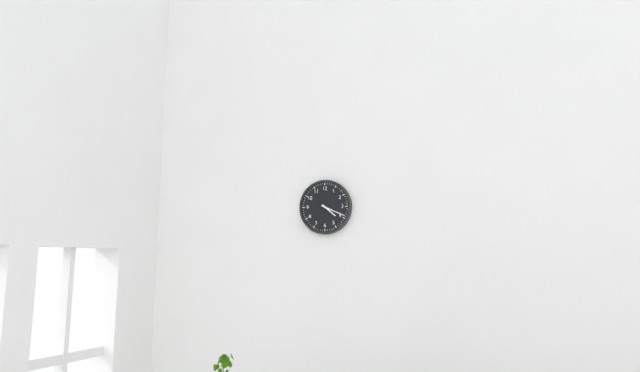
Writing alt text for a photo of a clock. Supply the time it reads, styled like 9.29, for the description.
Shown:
4.19
